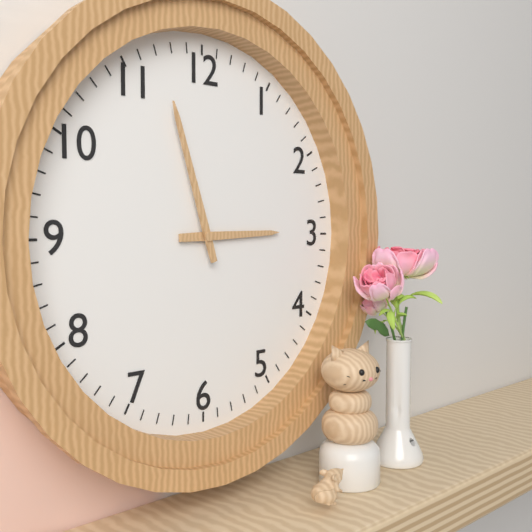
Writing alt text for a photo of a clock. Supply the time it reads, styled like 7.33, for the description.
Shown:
2.57
